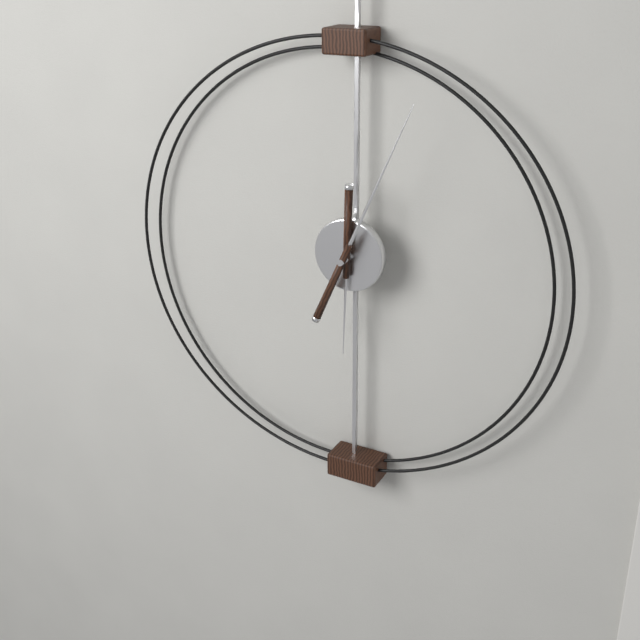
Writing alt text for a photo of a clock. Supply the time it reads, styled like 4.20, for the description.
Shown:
6.04
